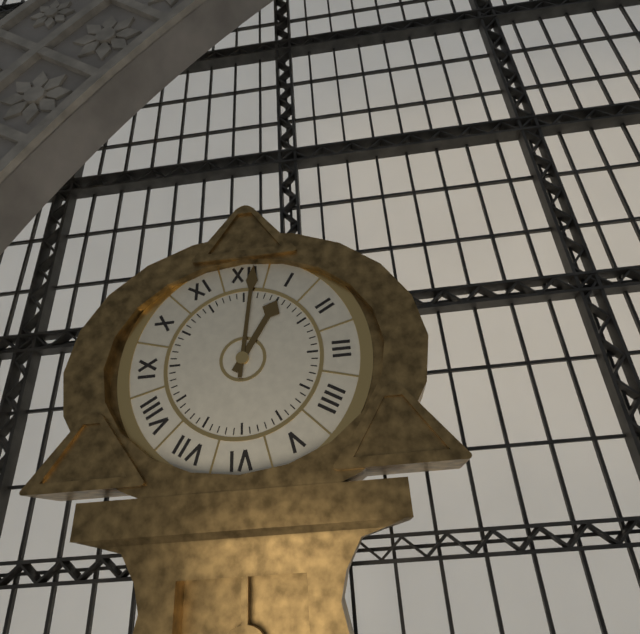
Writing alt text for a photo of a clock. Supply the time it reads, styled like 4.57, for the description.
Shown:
1.01
